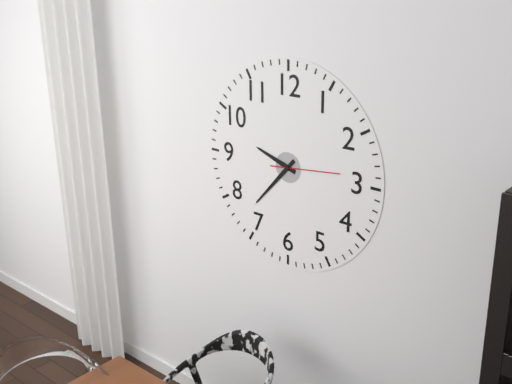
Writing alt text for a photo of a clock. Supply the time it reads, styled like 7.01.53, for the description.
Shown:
9.37.14
